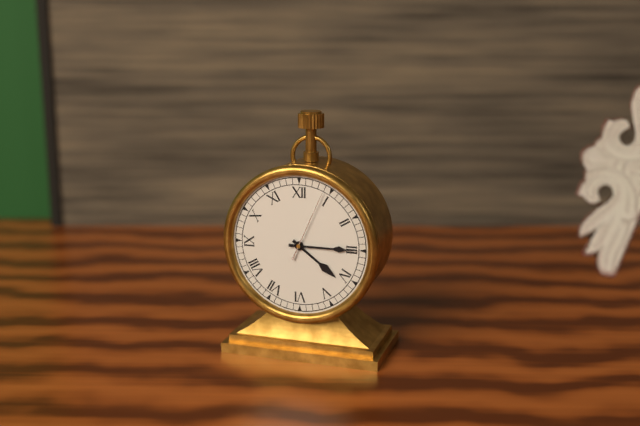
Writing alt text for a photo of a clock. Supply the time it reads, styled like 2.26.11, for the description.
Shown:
4.15.04
